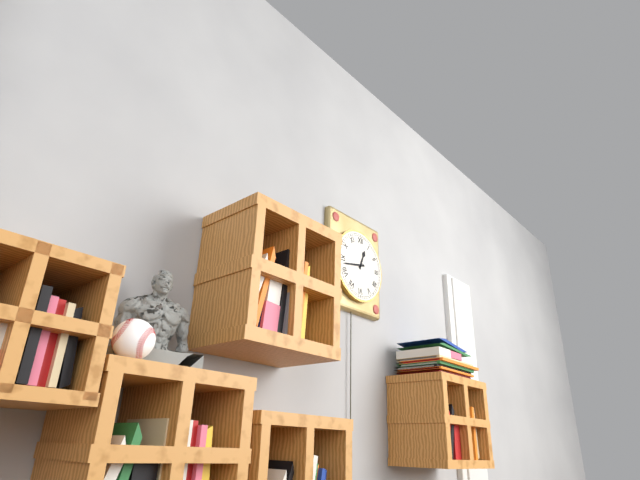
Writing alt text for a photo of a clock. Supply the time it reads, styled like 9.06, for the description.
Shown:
12.43
